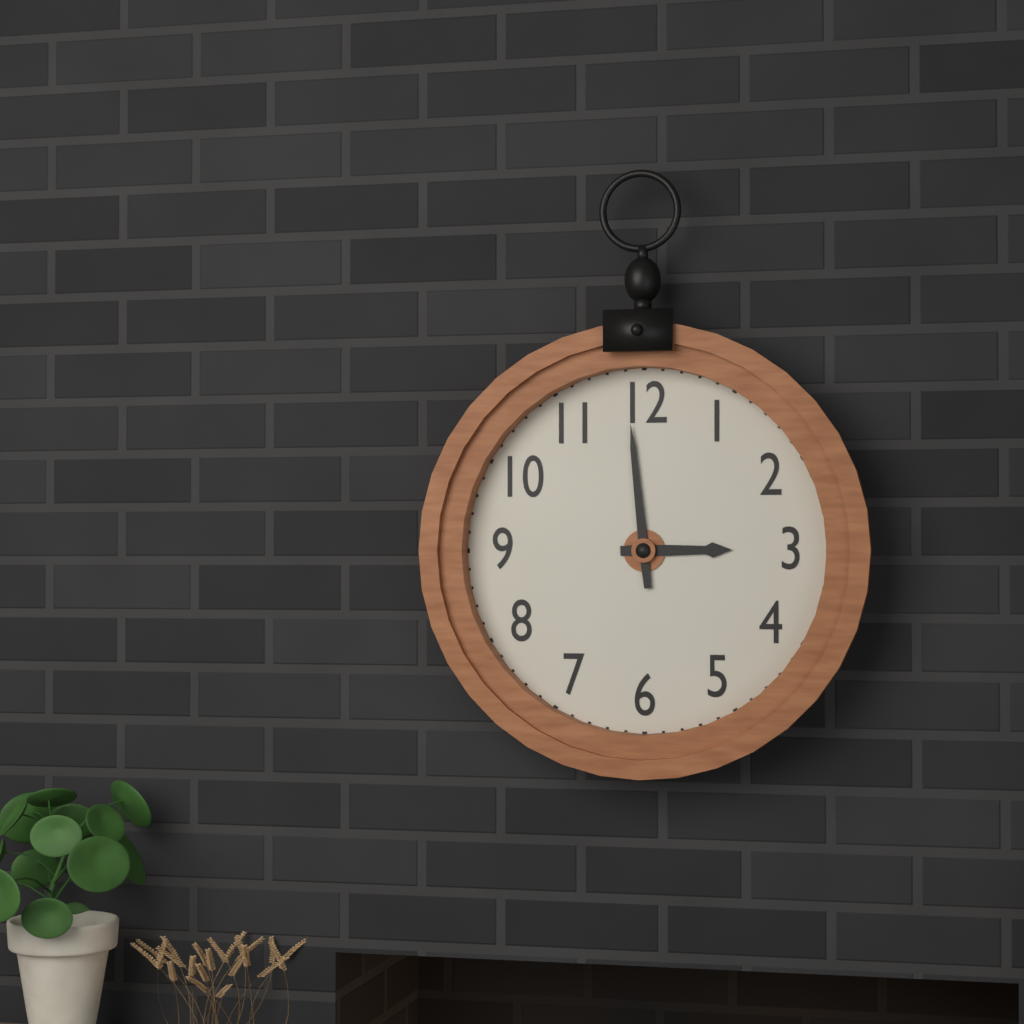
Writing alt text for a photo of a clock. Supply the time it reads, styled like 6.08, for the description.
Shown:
2.59
